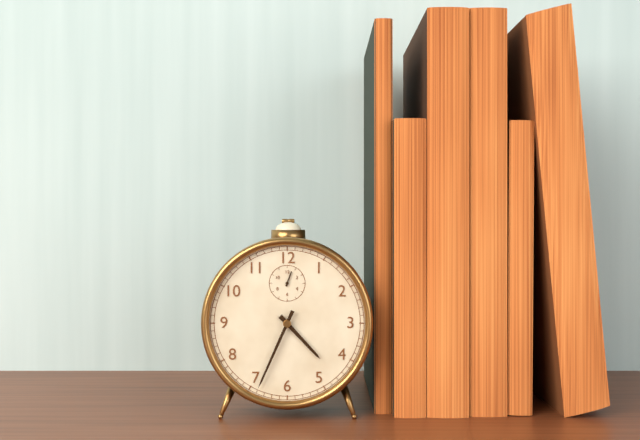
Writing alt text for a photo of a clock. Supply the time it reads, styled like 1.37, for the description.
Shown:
4.34
